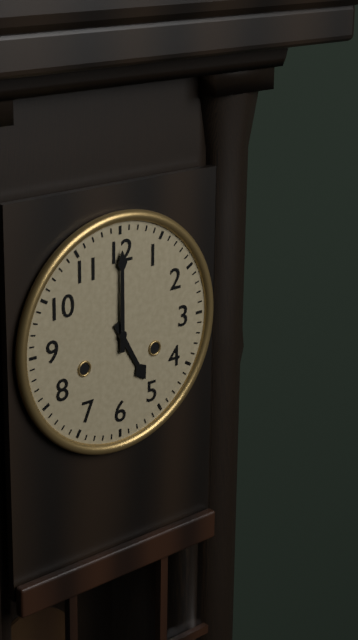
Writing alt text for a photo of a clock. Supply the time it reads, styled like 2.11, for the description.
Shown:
5.00
